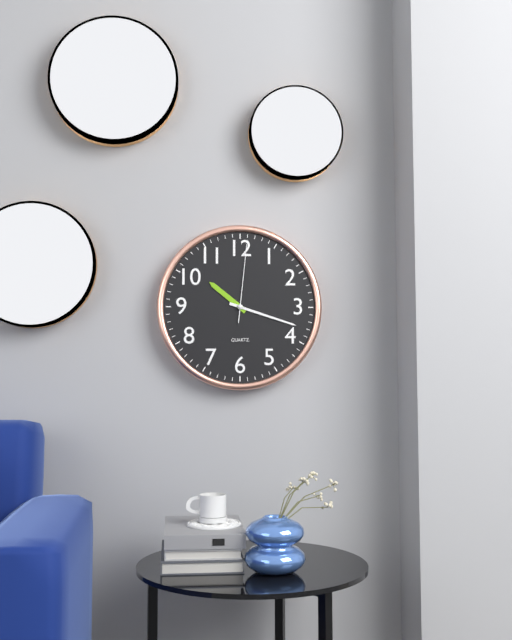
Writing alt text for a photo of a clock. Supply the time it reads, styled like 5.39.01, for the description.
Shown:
10.18.01
